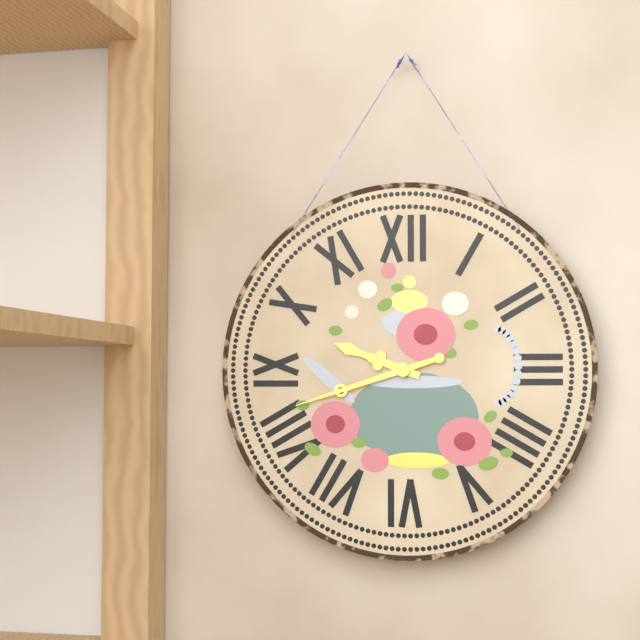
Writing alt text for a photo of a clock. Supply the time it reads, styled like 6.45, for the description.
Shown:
9.42
